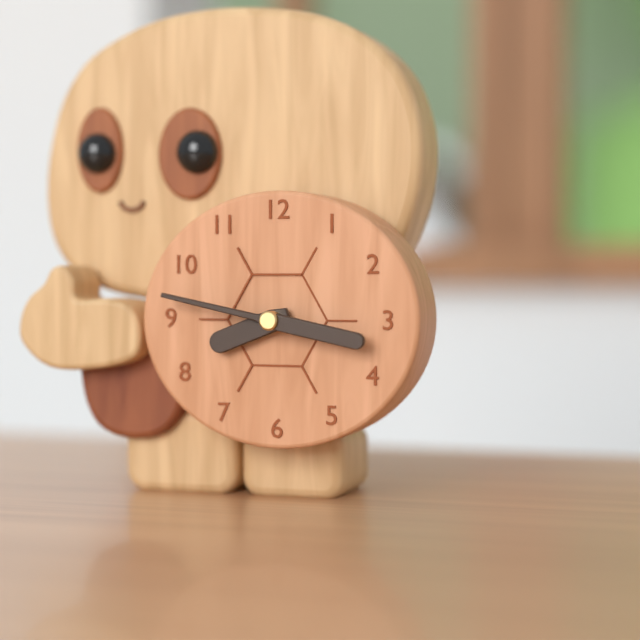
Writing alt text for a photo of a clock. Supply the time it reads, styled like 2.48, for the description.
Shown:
8.17
